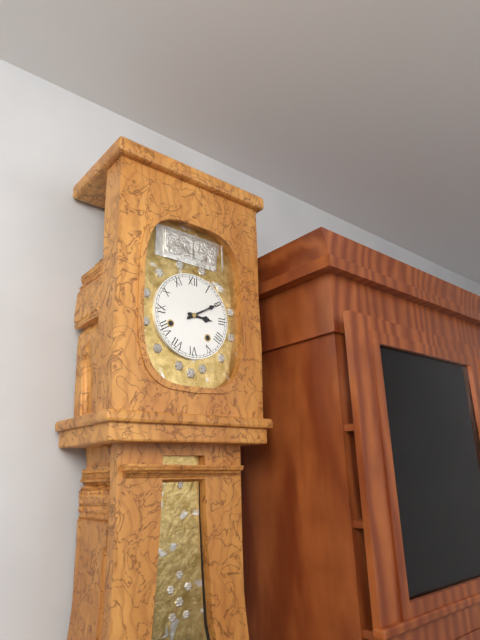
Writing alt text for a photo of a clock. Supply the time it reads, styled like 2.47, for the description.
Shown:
3.10
